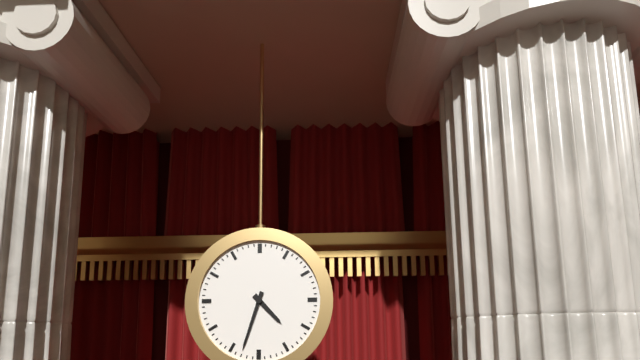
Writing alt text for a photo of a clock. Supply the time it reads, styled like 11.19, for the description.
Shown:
4.33
